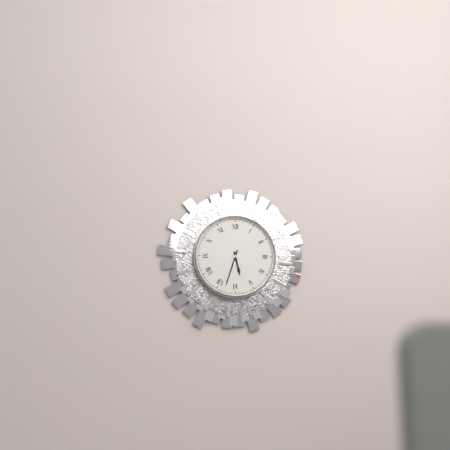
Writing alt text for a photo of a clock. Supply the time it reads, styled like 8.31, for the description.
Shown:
5.33
